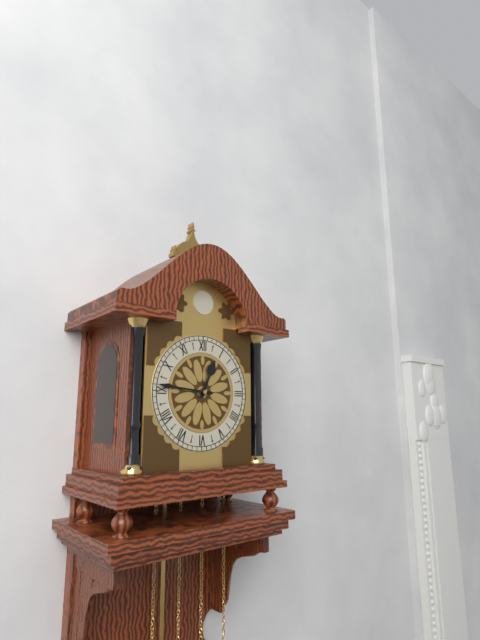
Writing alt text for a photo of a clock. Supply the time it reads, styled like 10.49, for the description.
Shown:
12.46
